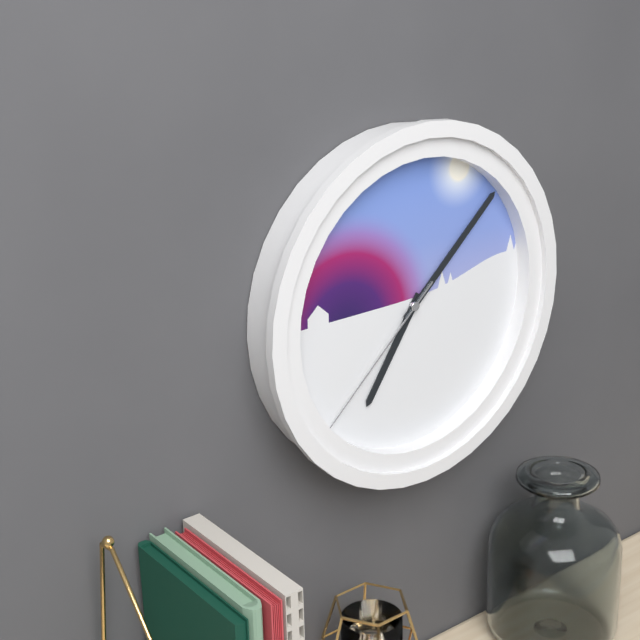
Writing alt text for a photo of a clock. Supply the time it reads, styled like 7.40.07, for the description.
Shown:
7.08.38
